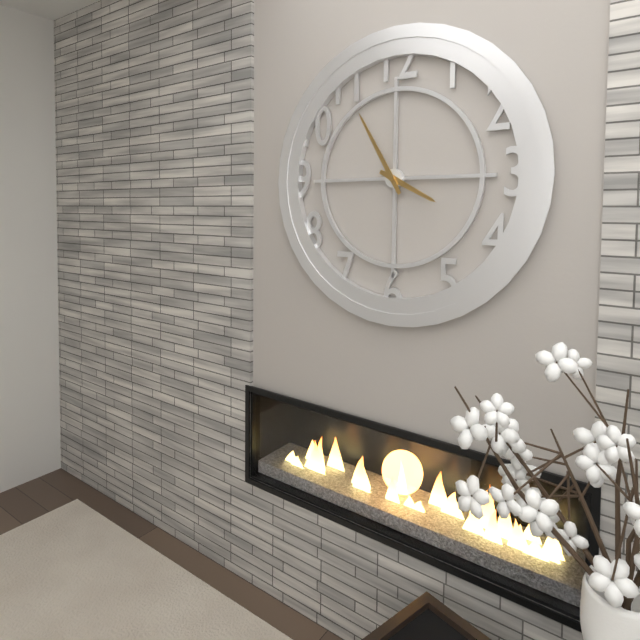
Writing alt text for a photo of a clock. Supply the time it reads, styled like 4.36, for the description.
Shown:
3.55
